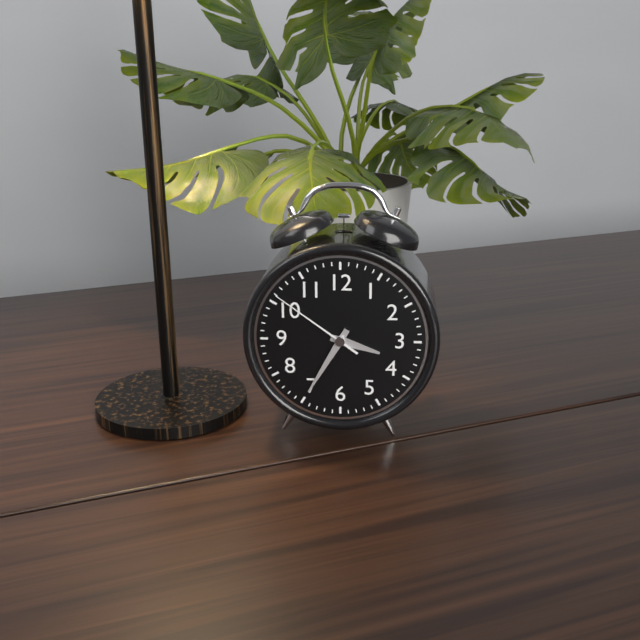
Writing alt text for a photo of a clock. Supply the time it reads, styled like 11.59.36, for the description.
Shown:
3.35.51
